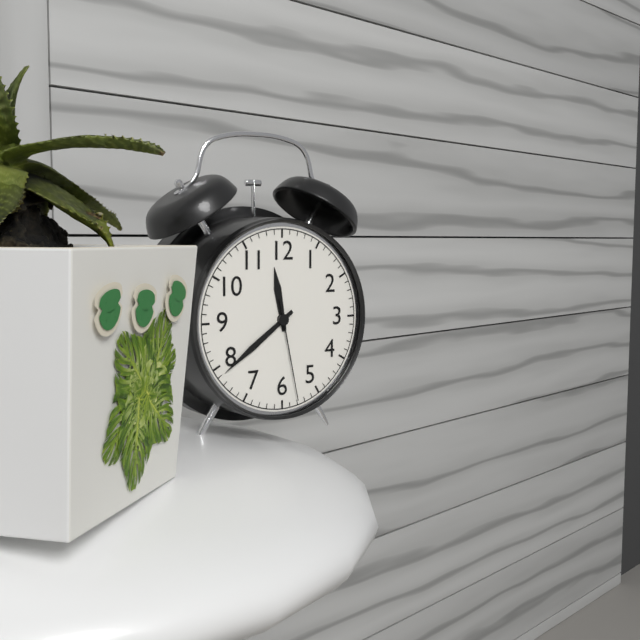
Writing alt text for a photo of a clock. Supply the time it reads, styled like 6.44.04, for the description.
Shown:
11.39.28
